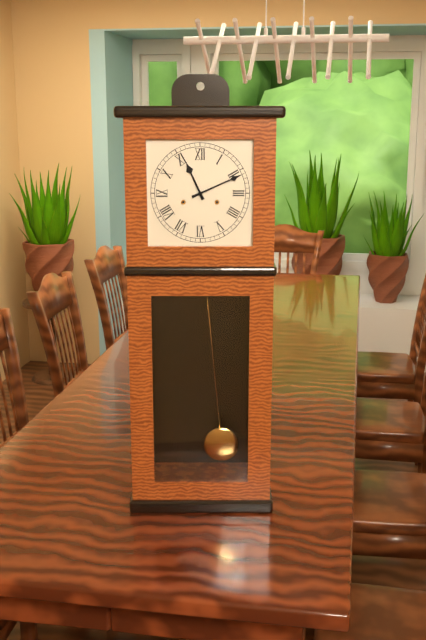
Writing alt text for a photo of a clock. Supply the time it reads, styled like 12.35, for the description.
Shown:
11.11
